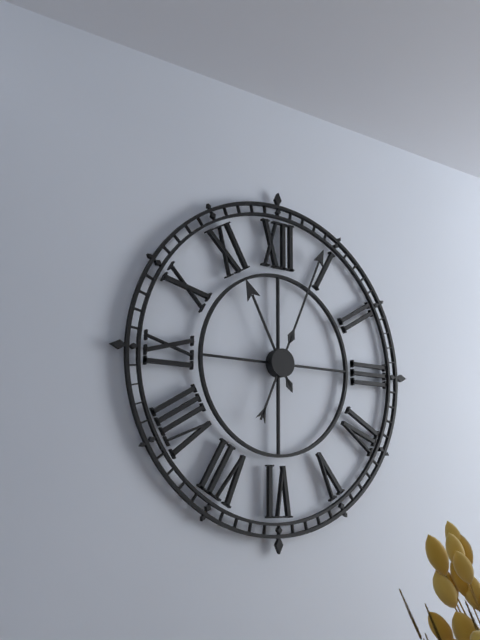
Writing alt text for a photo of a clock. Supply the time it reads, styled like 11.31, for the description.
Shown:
11.04
